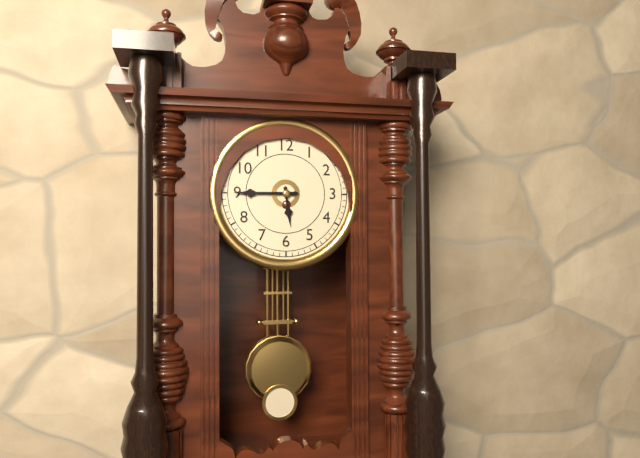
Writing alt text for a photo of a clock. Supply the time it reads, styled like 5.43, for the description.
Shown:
5.45
